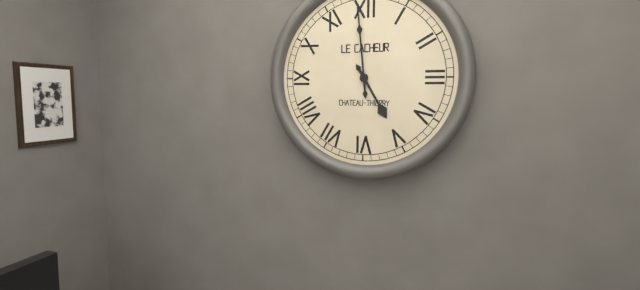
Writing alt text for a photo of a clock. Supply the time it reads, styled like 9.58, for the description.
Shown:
4.59
